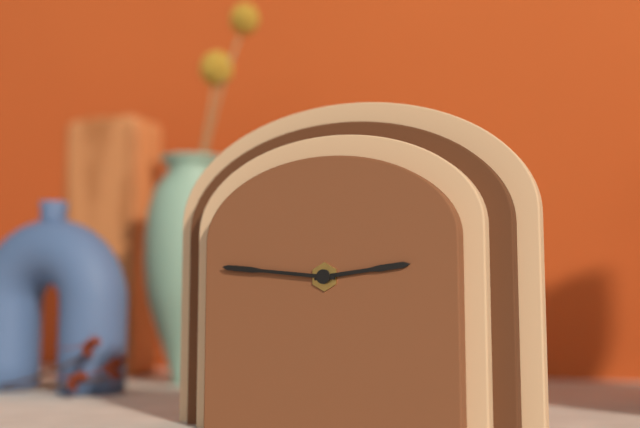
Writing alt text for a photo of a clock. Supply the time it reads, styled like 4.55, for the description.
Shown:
2.46
